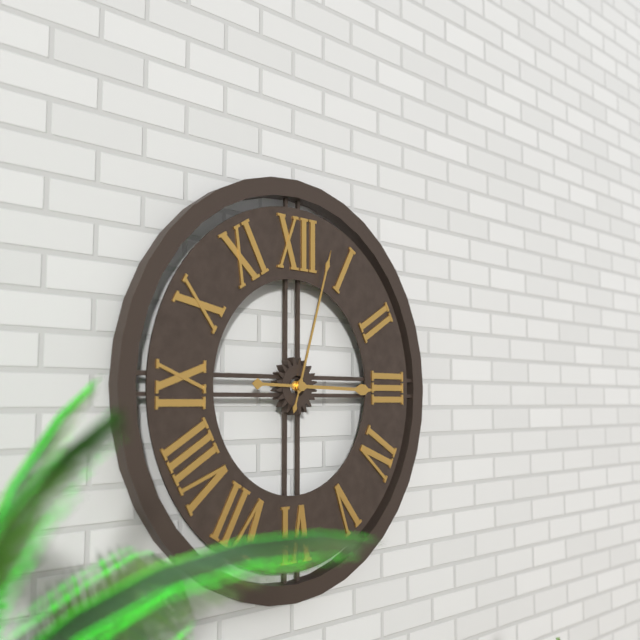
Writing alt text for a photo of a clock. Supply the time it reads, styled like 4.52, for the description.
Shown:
3.03
